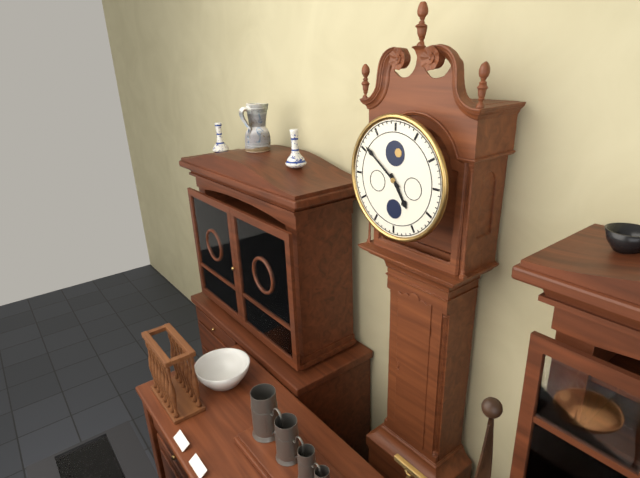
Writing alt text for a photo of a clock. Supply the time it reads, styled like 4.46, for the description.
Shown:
4.51
